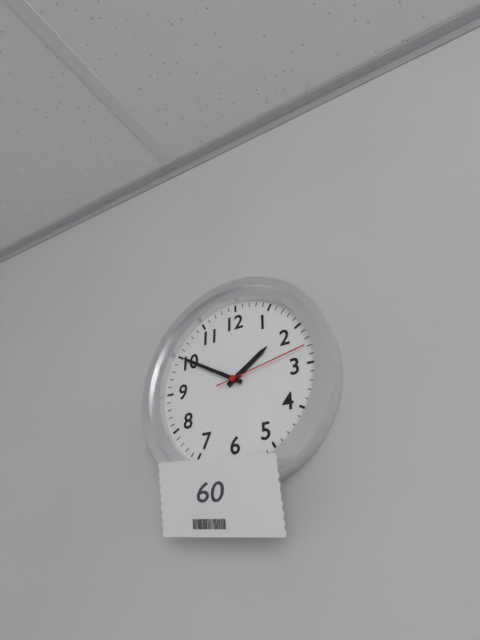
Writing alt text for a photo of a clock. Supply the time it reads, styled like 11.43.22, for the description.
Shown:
1.50.13
